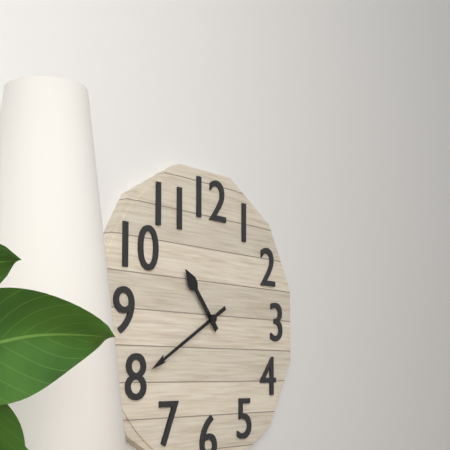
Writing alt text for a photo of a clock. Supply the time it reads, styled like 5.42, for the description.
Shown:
10.40
